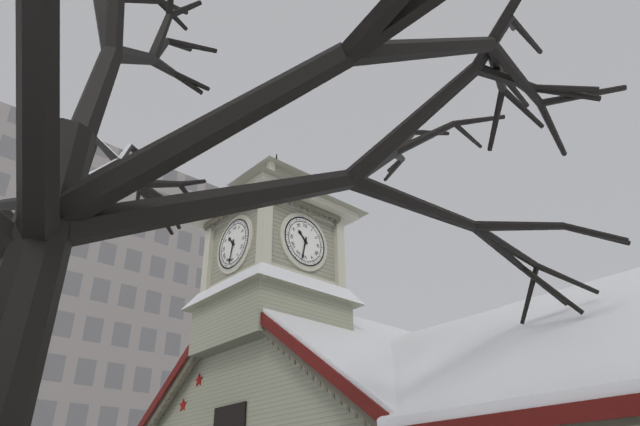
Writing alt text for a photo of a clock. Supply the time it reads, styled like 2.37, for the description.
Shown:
10.32
